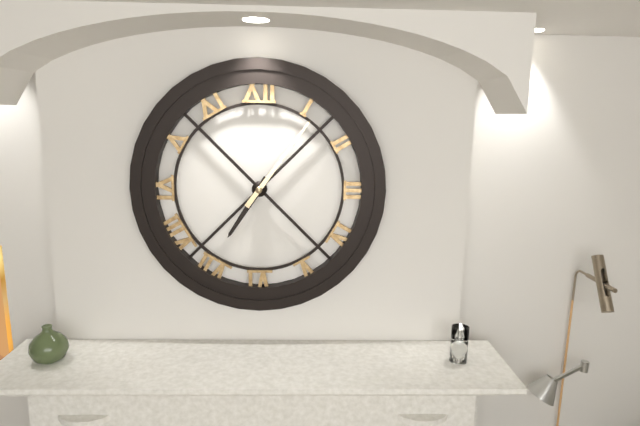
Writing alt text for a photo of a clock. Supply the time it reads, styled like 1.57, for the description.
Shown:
7.06
